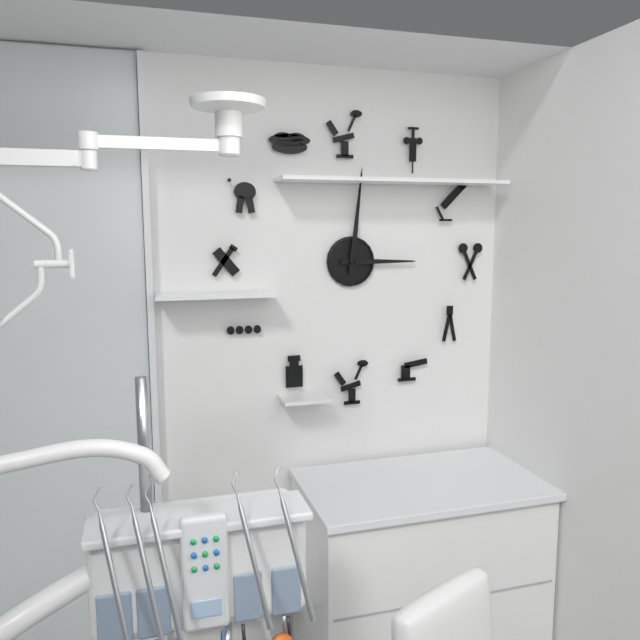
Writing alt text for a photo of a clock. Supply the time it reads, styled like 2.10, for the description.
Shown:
3.01
